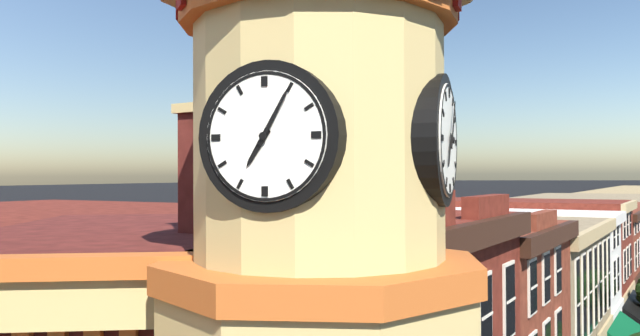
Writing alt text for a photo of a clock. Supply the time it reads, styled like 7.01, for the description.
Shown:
7.05
